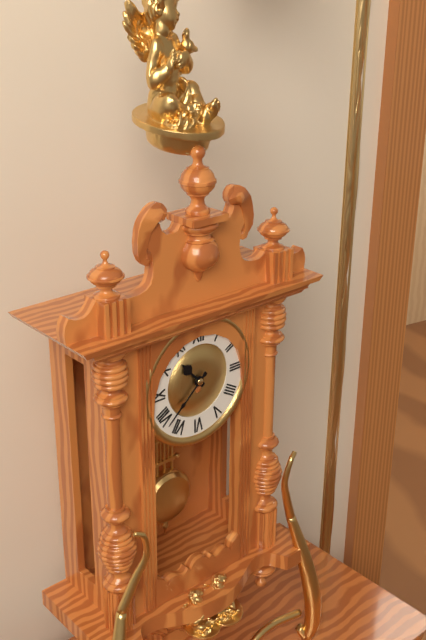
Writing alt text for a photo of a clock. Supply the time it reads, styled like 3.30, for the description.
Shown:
10.38
